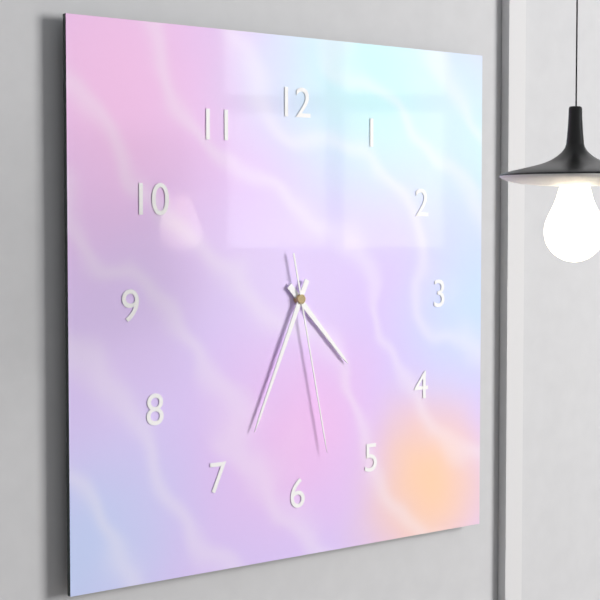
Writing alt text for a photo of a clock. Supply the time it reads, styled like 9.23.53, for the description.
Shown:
4.34.28
